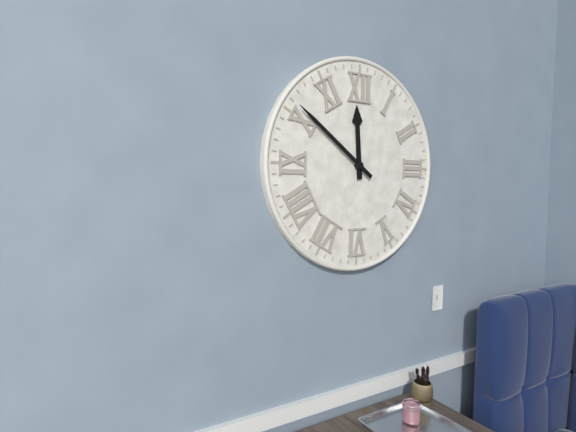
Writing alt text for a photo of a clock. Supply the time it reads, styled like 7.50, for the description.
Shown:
11.51
